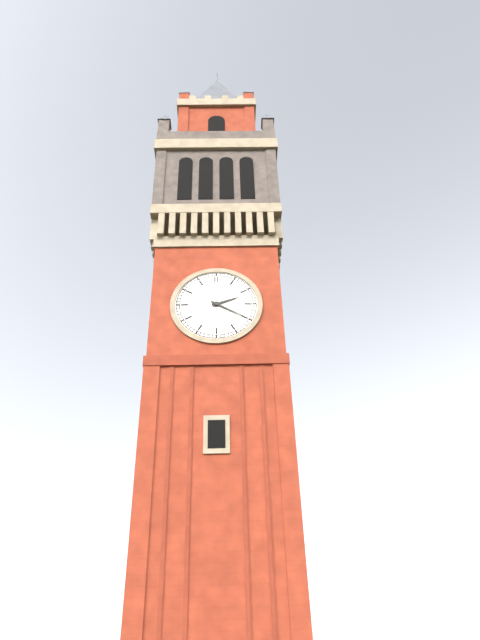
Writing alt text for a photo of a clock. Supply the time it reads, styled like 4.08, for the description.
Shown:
2.20
